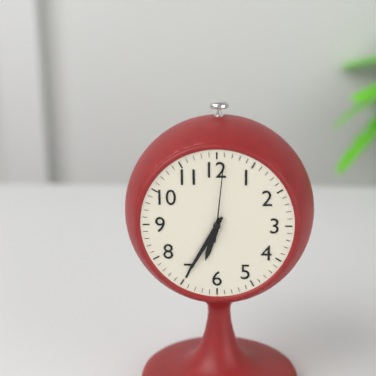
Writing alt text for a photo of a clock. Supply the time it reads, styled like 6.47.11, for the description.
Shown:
6.35.01
